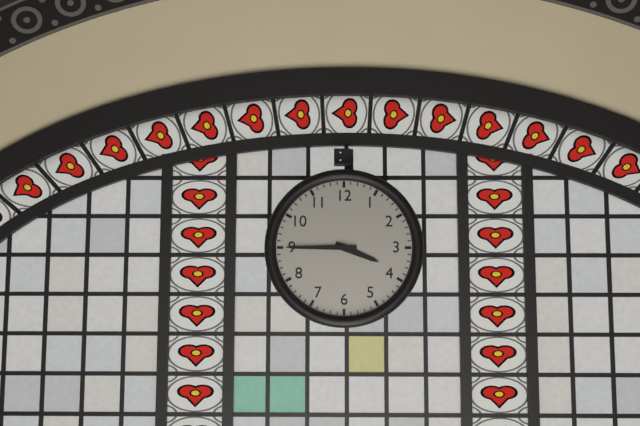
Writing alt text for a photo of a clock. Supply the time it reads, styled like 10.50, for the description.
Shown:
3.45
